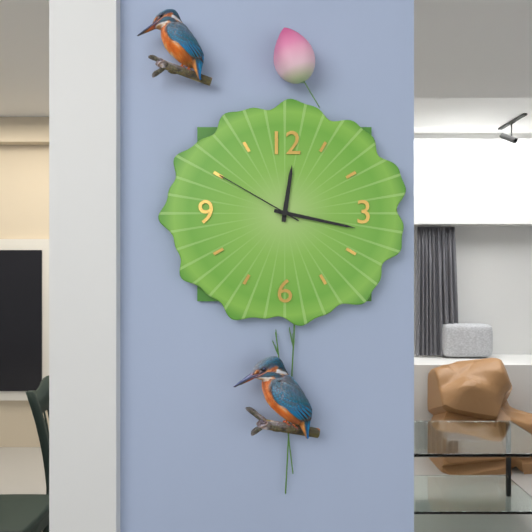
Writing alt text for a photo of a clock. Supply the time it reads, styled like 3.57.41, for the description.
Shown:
12.17.50
